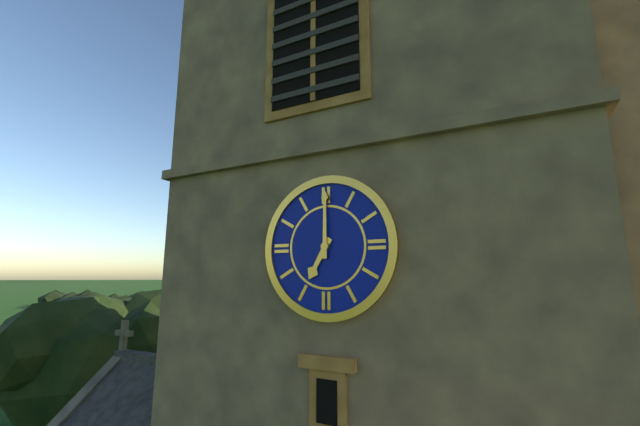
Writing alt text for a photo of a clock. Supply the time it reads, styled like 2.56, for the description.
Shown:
7.00
